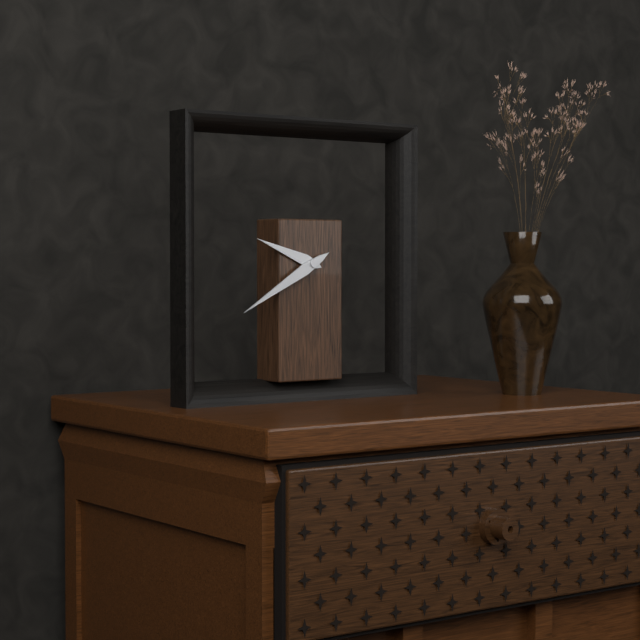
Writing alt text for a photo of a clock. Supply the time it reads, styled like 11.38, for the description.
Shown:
9.40
